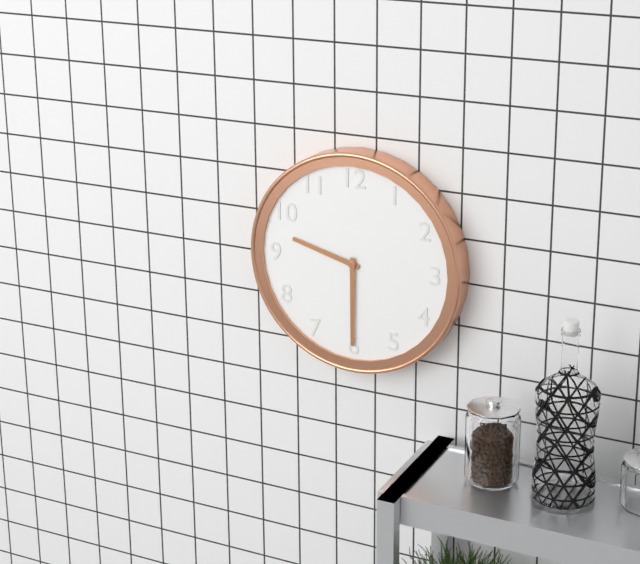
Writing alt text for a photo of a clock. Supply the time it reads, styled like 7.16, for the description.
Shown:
9.30
